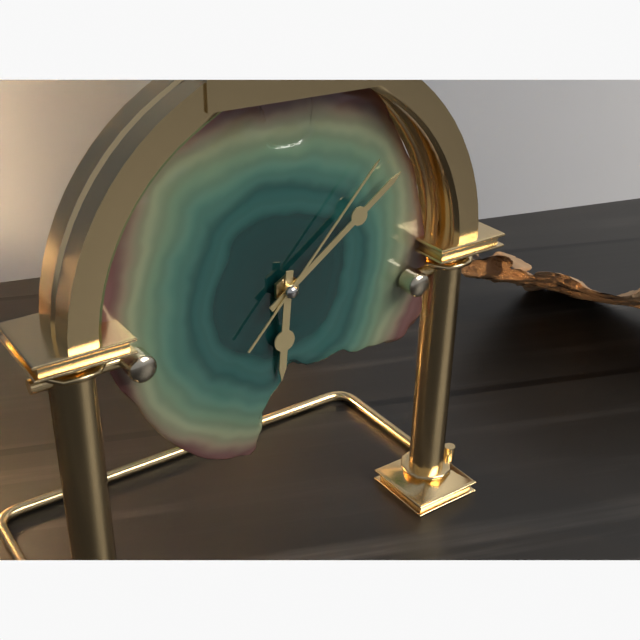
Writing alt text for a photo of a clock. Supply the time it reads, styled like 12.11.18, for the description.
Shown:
6.09.07
